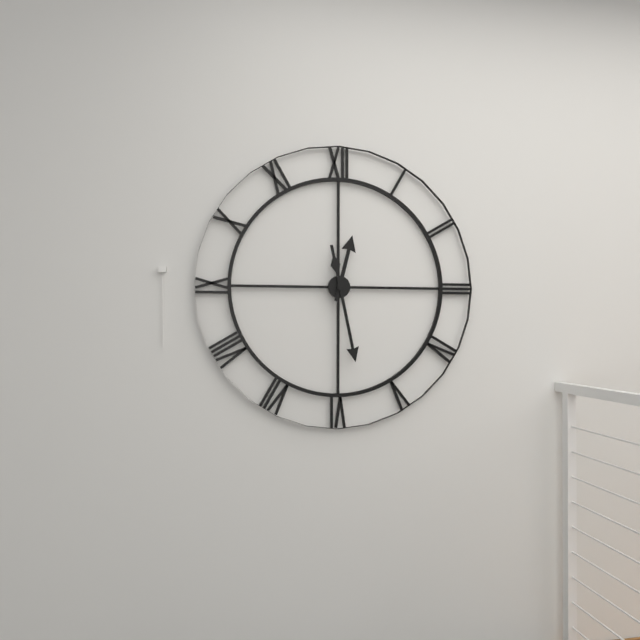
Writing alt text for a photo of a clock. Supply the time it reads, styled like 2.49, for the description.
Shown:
12.28
